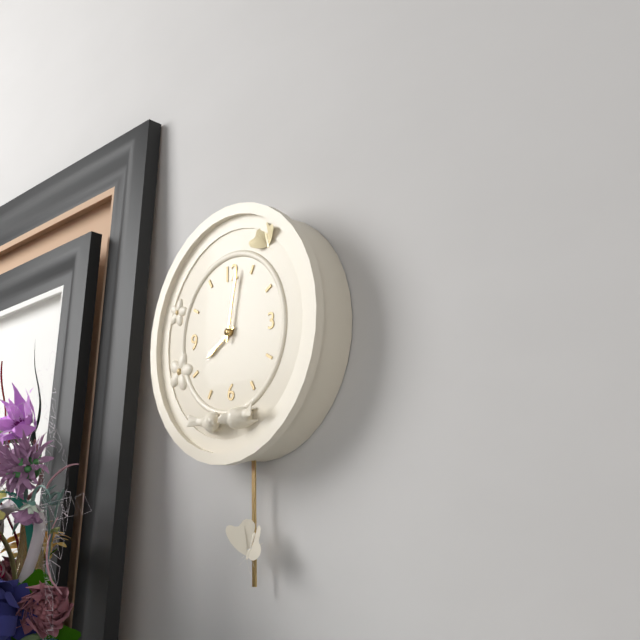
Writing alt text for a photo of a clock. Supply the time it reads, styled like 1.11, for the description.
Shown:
8.02
